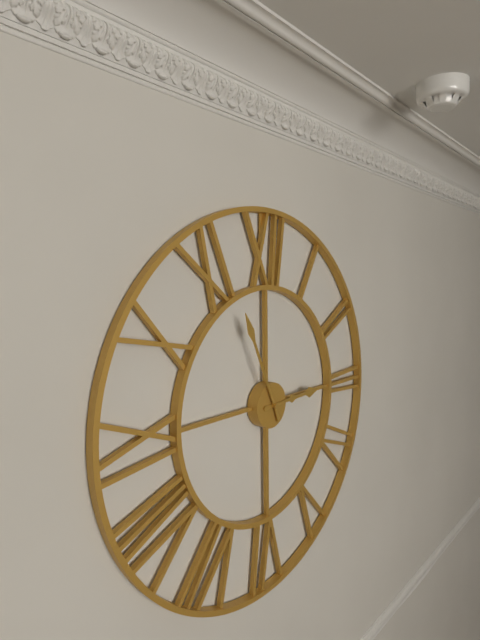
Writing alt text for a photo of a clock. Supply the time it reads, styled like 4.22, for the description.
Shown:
2.56
